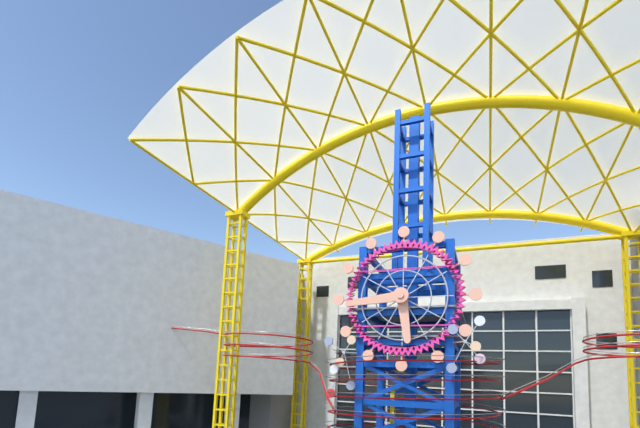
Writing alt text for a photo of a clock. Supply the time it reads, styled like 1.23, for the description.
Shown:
5.44
